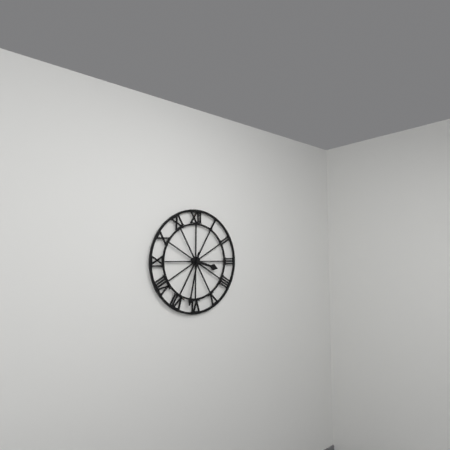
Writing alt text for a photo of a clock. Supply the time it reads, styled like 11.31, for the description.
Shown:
3.32
